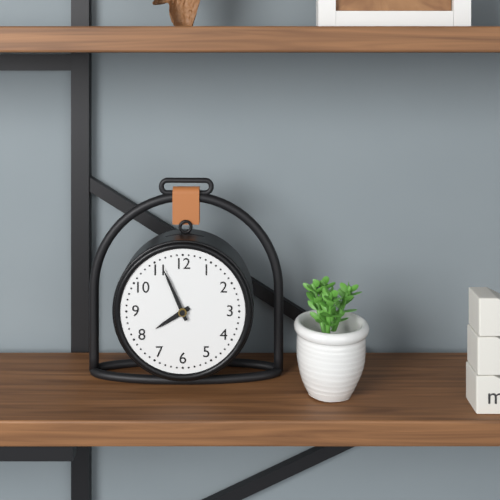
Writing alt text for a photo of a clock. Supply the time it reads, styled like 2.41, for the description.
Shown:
7.56
